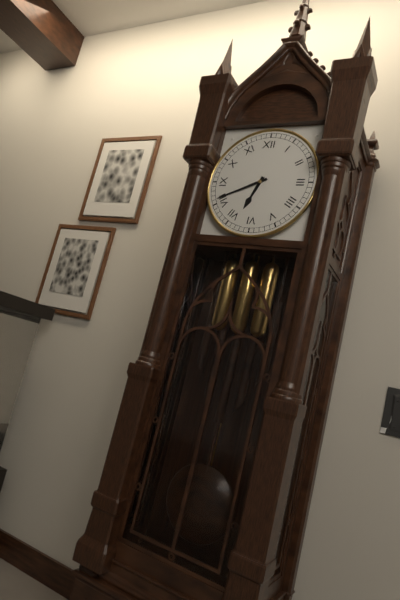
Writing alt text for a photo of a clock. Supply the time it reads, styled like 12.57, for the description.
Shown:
6.41
